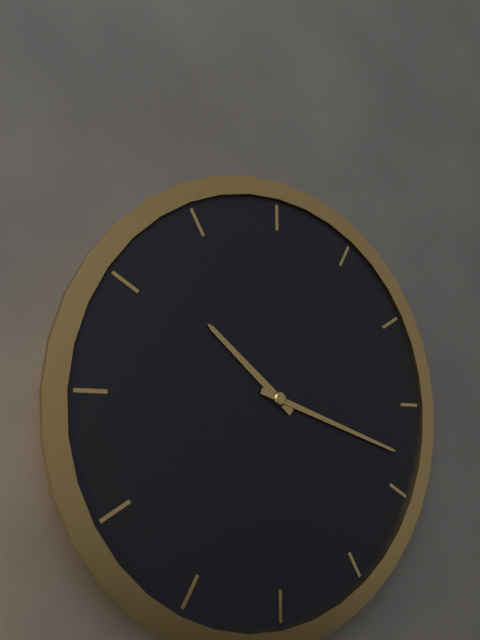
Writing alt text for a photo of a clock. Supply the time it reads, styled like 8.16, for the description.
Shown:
10.18
